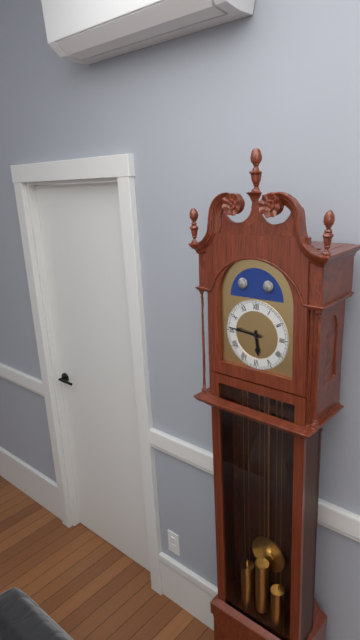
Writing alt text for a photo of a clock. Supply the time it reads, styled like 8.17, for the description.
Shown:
5.46
